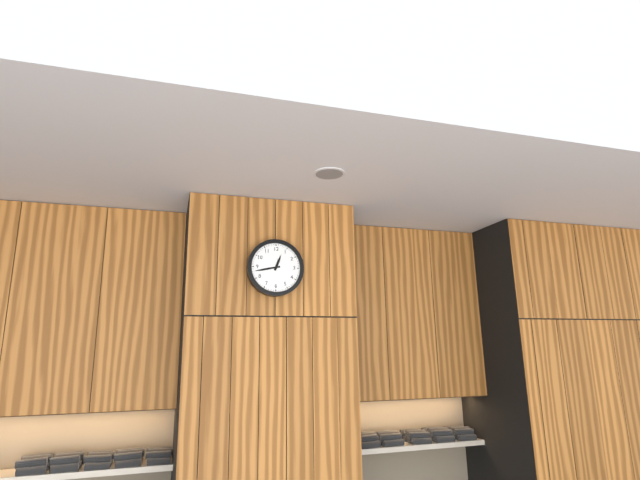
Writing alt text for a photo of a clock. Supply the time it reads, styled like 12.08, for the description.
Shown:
12.43
